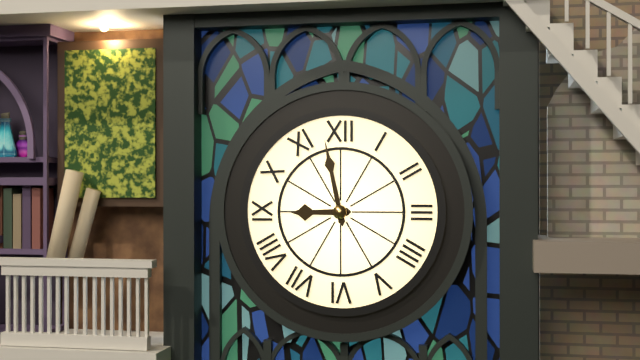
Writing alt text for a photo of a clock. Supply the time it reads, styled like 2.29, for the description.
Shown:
8.58
